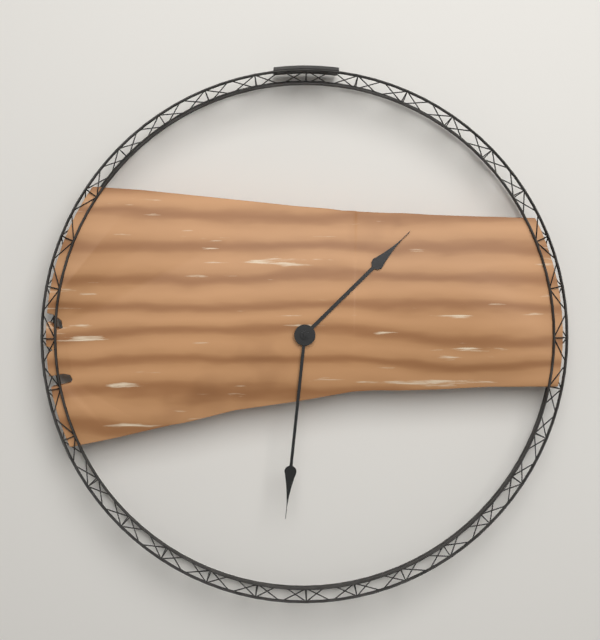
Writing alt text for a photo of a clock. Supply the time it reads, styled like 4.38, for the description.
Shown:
1.31
